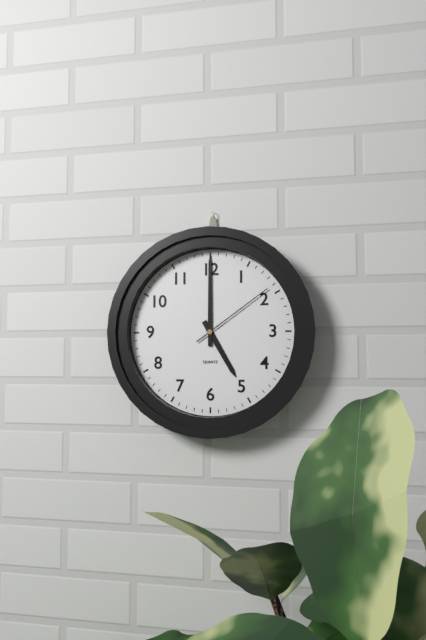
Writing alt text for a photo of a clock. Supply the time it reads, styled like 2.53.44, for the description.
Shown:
5.00.09
